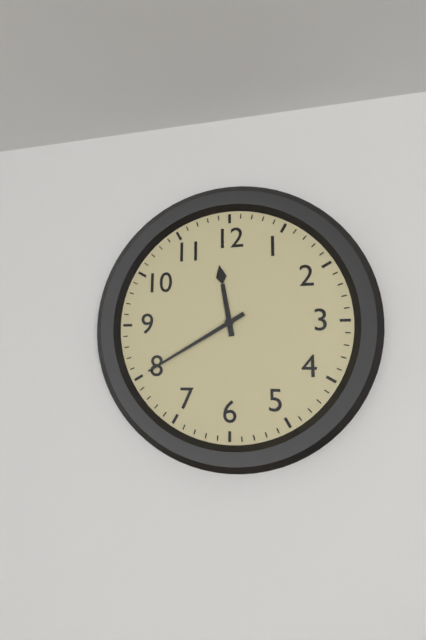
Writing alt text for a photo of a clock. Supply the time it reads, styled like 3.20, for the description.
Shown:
11.40
